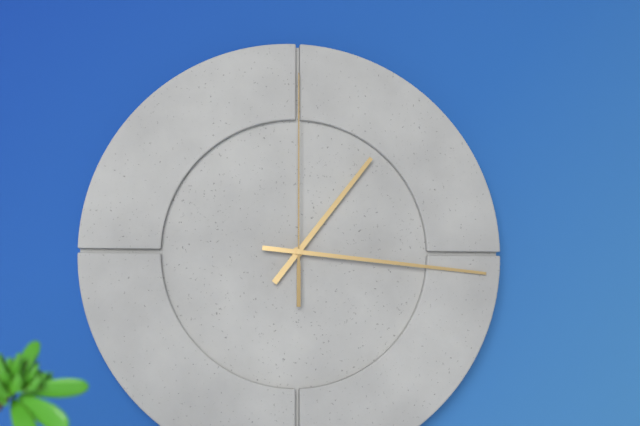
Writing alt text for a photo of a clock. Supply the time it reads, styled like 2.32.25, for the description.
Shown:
1.16.00
